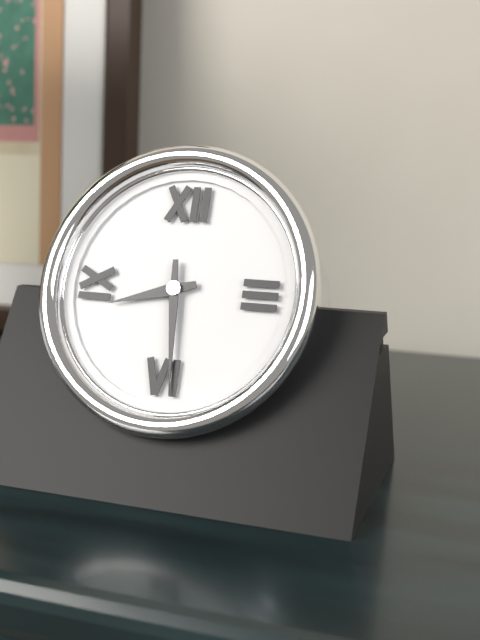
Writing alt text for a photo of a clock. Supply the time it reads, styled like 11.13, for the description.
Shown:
8.29
